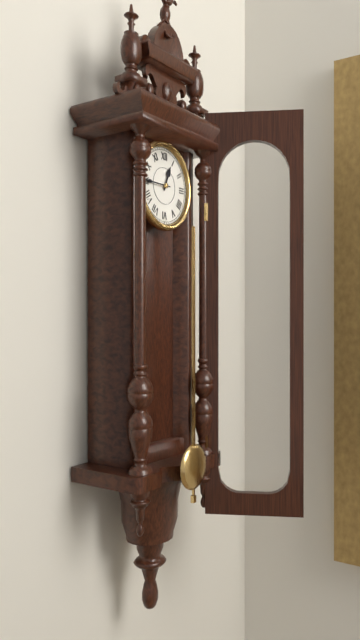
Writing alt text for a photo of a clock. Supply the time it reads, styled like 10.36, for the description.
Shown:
12.45
